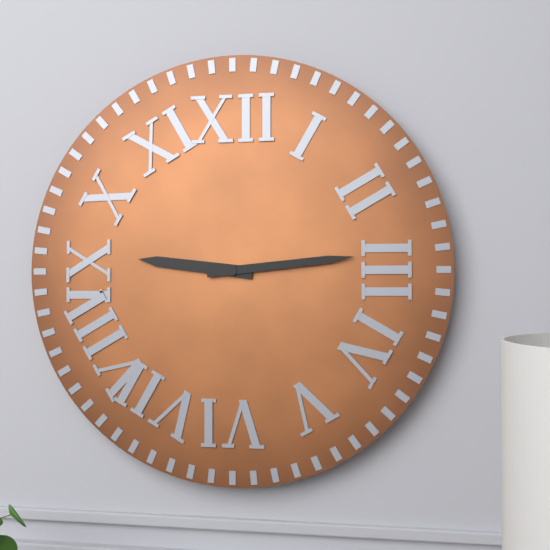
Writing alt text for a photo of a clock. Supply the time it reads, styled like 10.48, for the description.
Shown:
9.14
